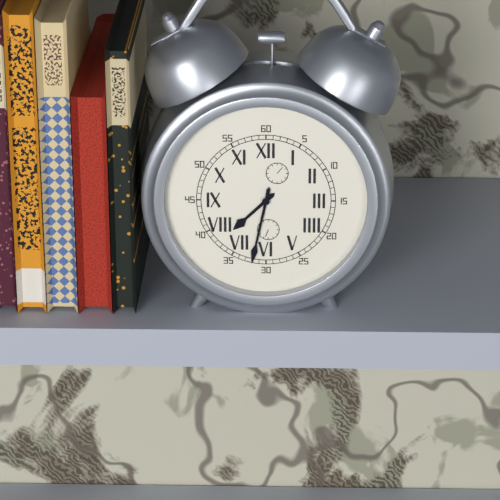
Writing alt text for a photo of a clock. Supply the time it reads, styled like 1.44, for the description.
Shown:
7.32
